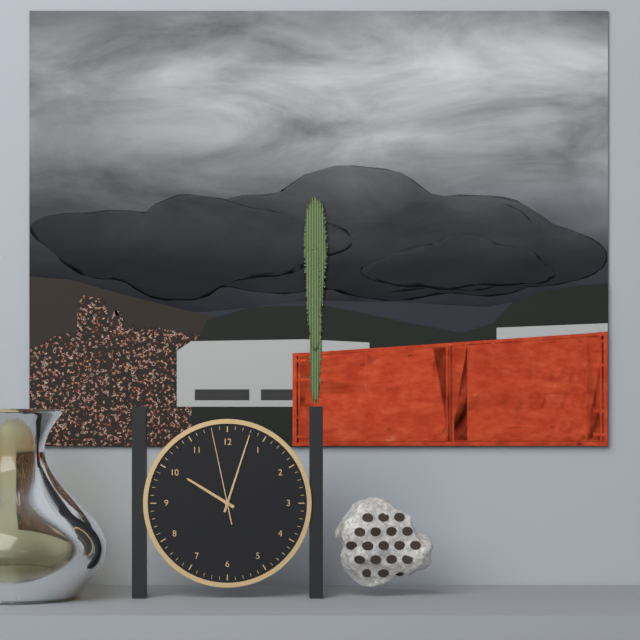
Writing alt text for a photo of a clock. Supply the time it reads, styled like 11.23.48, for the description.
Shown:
10.03.58
